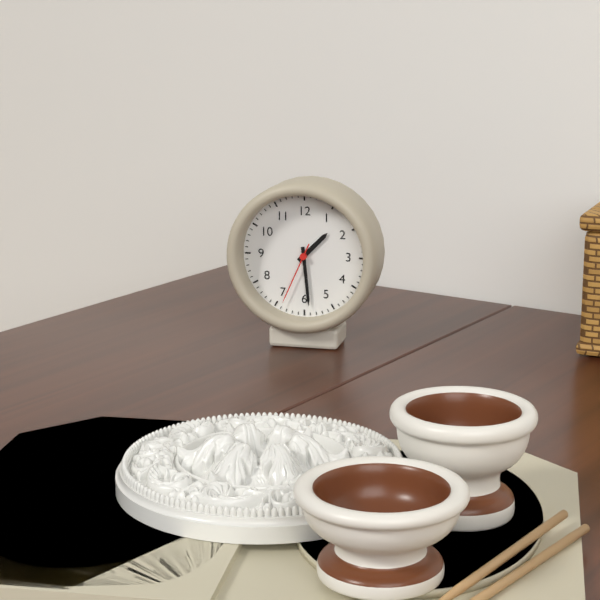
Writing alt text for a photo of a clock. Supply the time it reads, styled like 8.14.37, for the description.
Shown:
1.29.34
